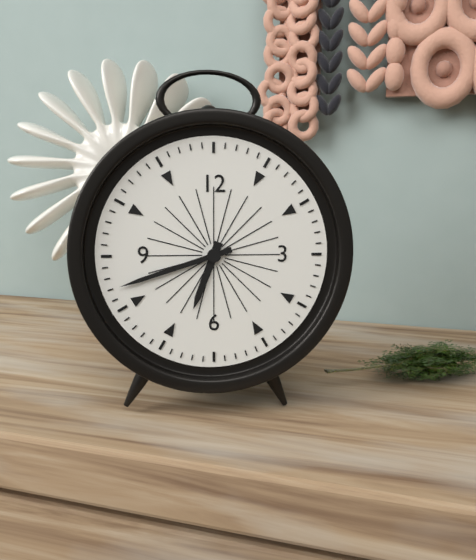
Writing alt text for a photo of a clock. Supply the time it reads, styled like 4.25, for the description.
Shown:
6.42
